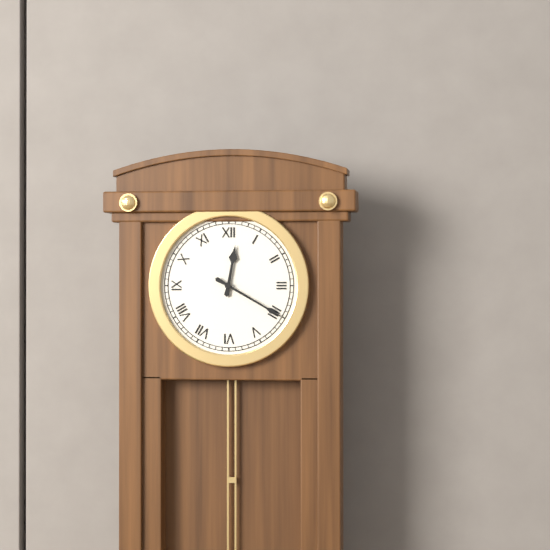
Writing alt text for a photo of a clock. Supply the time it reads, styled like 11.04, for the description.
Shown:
12.20
